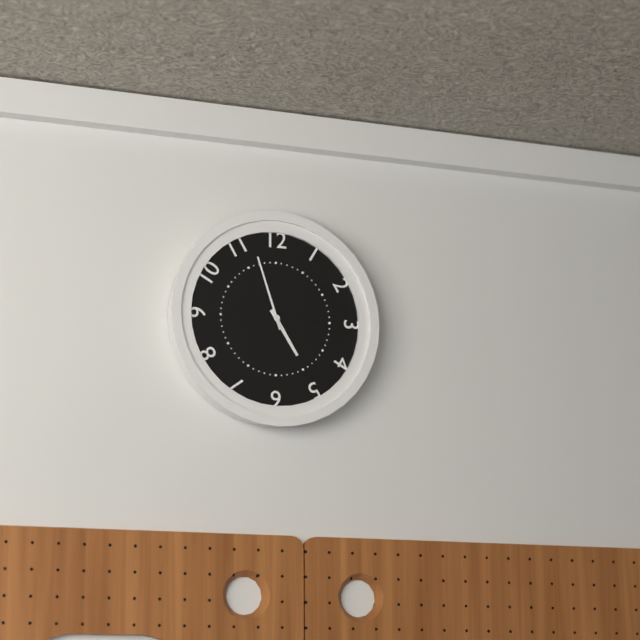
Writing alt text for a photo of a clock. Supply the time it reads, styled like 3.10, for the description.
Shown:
4.57
